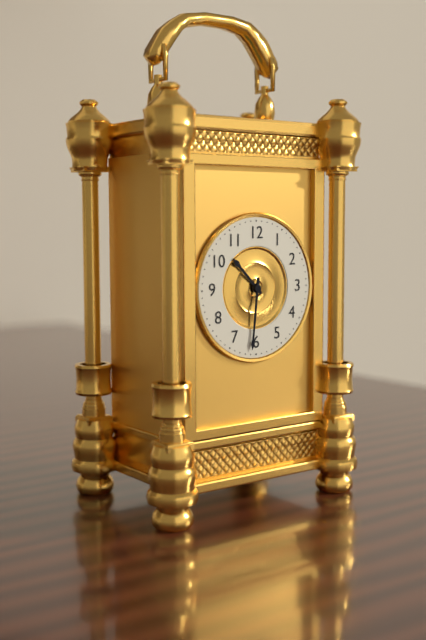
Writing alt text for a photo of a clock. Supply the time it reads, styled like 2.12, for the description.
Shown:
10.31
